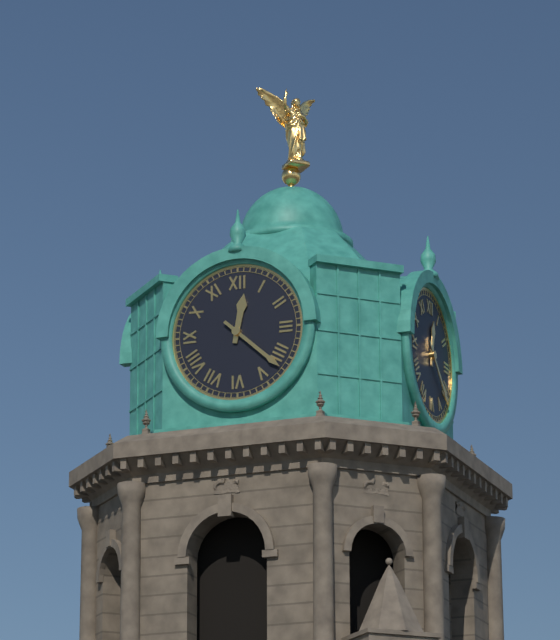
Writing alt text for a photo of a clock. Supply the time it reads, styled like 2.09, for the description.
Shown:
12.22
